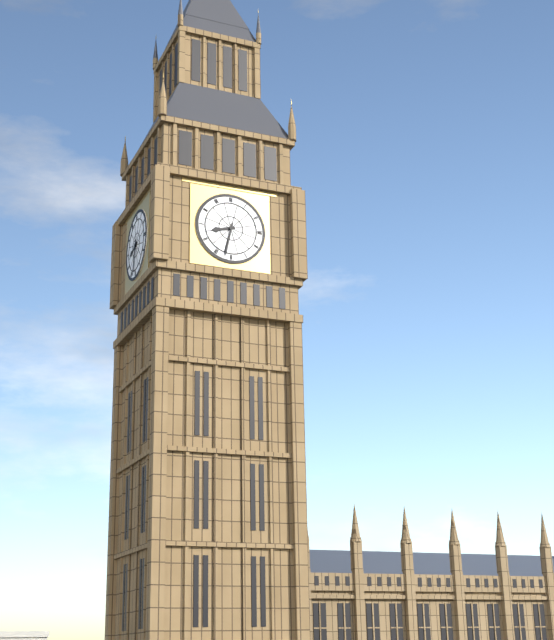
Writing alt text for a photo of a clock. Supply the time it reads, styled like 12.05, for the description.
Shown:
8.32
